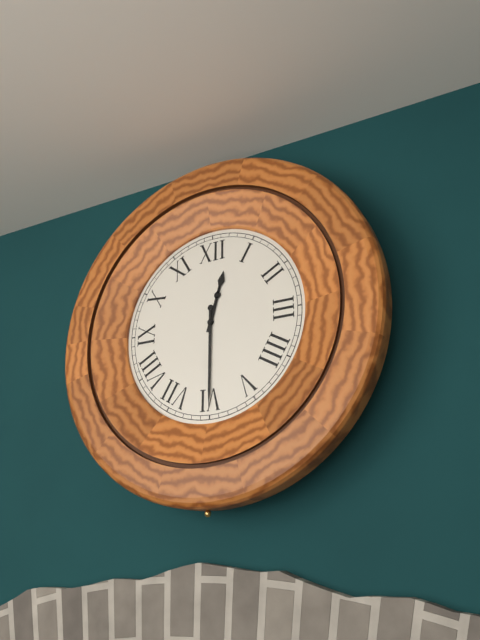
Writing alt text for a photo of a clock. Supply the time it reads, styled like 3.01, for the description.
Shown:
12.30
